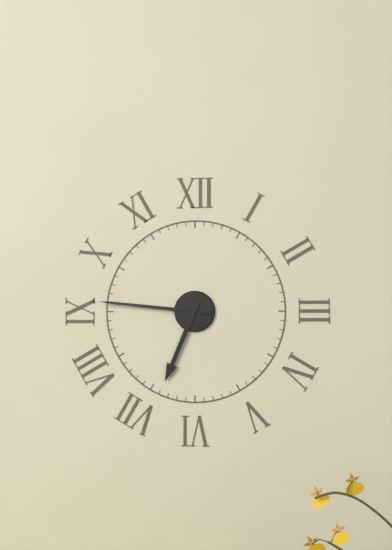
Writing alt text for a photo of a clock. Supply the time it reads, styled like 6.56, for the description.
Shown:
6.46
